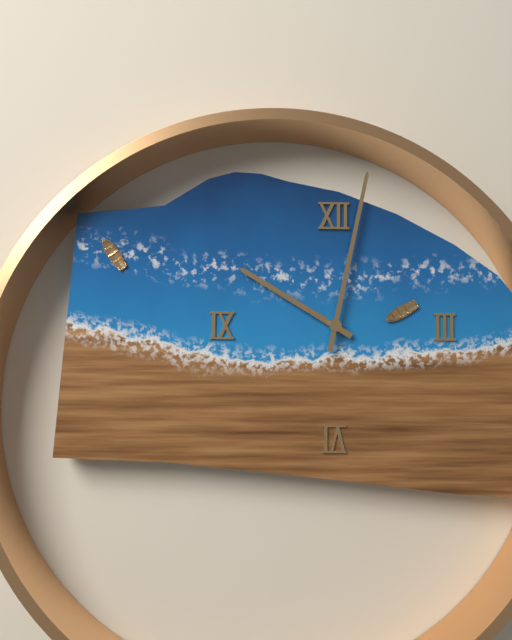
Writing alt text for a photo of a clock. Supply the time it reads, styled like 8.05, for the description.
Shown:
10.02
